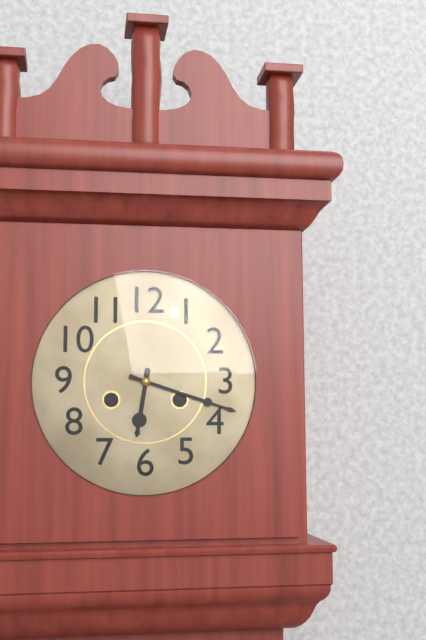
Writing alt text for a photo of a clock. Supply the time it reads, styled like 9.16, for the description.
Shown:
6.18
